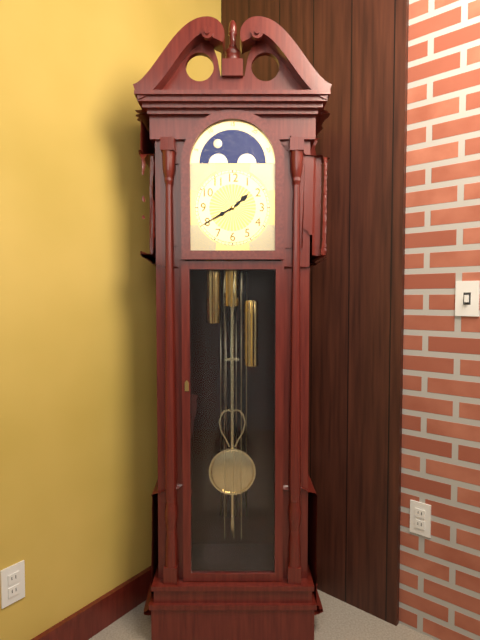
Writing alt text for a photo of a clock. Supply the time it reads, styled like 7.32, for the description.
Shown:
1.40
